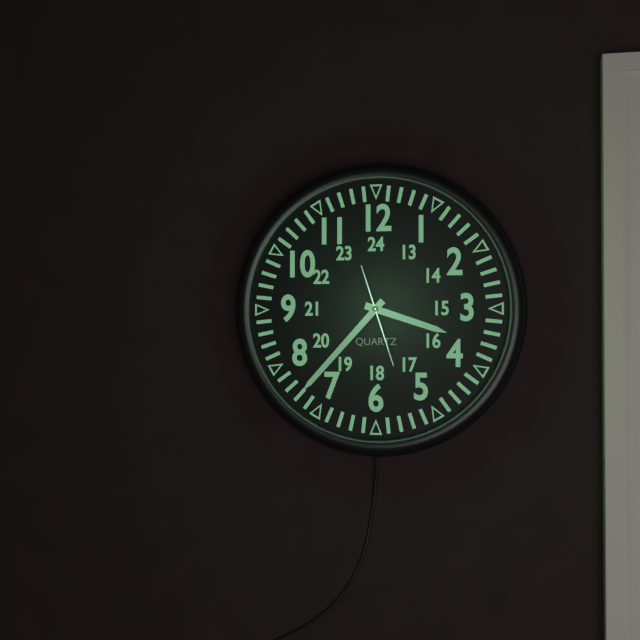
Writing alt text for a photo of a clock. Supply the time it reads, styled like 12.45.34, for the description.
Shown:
3.37.27
